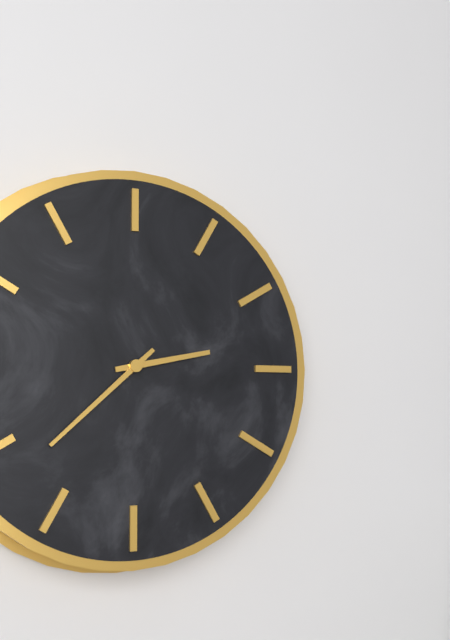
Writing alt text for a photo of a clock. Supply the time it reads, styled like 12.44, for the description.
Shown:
2.38
